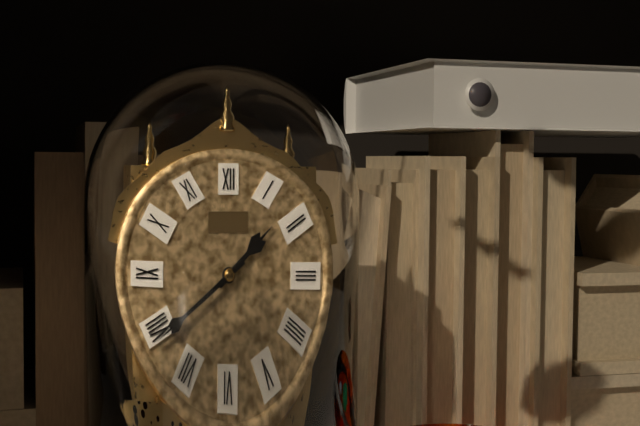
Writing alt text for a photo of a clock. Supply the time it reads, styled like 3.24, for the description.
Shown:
1.39
